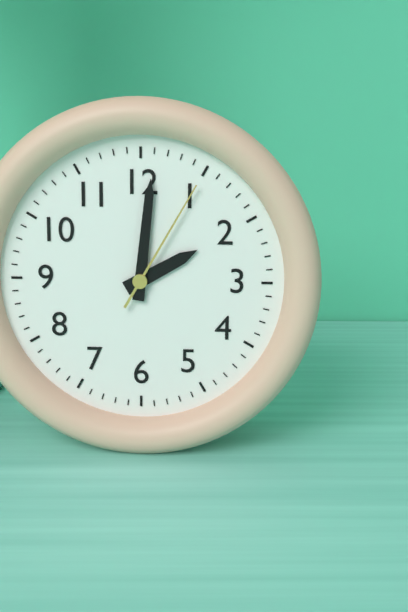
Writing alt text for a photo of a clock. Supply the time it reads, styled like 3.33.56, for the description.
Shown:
2.01.05
